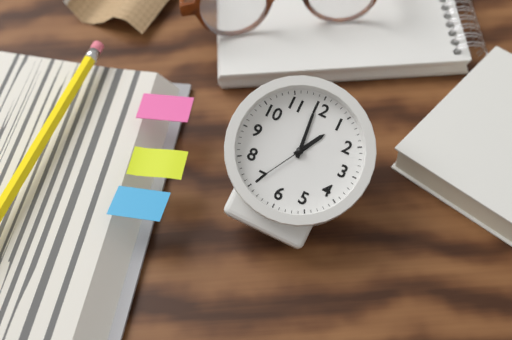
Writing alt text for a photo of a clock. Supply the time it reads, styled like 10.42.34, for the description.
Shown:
12.59.35
